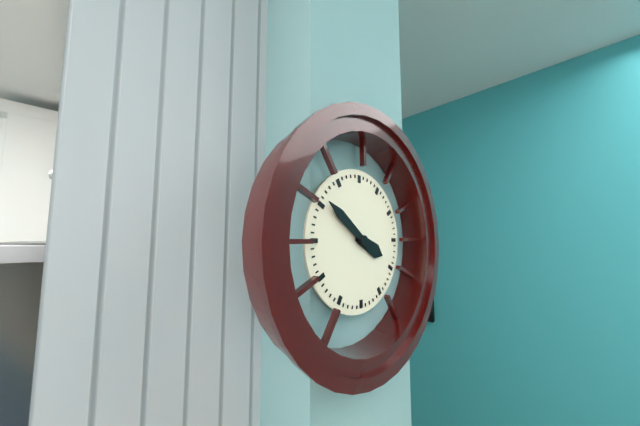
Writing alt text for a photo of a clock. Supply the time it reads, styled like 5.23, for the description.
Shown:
3.51
